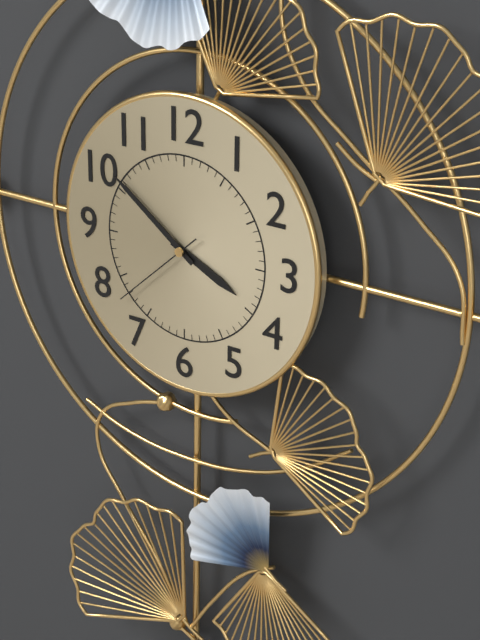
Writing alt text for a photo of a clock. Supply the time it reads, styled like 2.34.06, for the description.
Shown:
3.51.38
